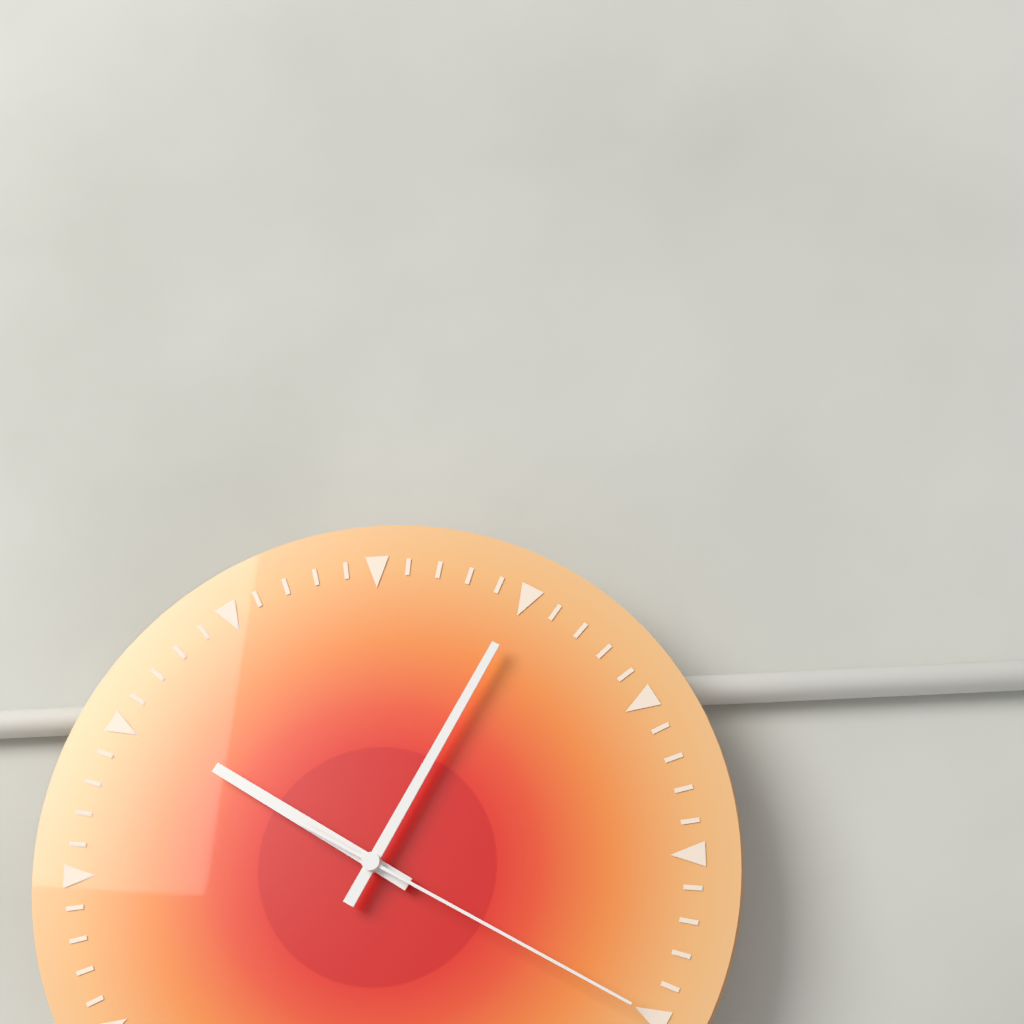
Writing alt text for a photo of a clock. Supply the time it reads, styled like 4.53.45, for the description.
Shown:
10.05.20
